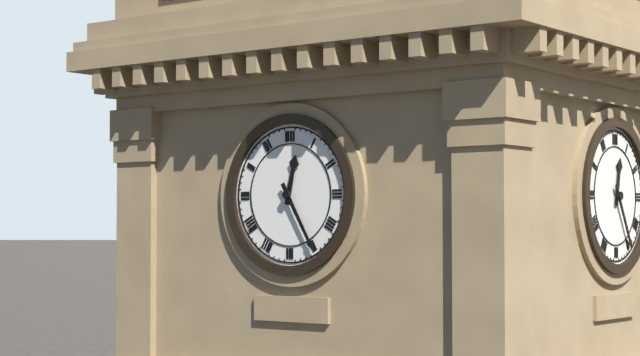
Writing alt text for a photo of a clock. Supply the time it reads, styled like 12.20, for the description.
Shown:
12.25
